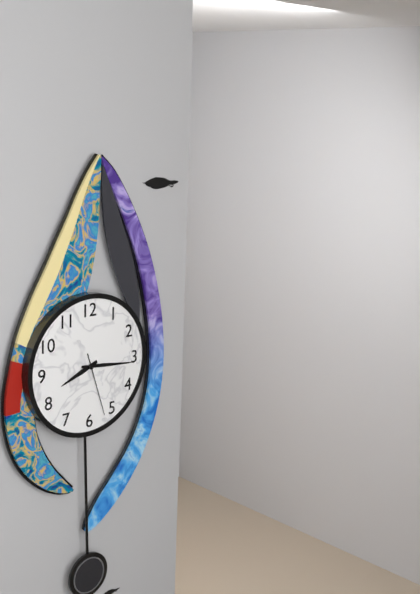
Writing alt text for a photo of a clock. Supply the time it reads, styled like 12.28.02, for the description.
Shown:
8.16.27
